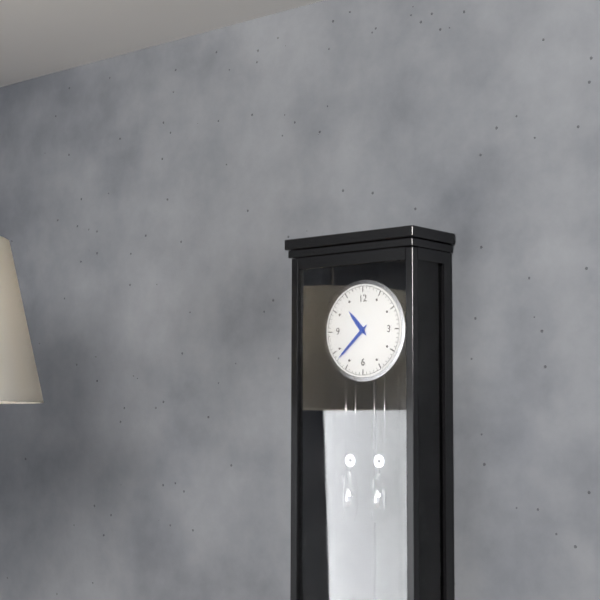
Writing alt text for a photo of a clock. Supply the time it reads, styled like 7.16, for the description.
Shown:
10.38
